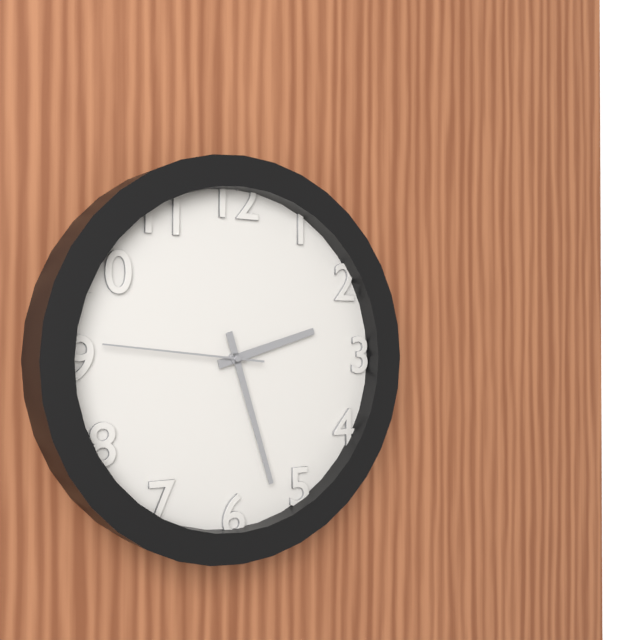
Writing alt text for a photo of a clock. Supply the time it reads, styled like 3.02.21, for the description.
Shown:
2.27.46
